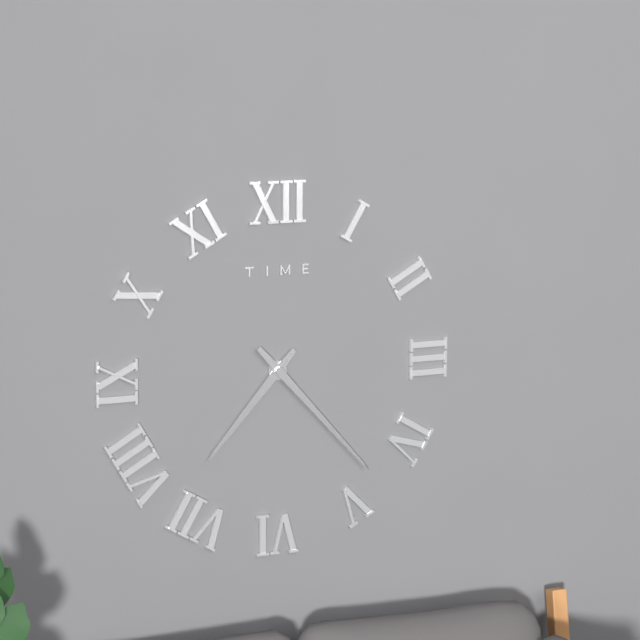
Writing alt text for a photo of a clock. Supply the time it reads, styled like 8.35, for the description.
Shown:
7.23
